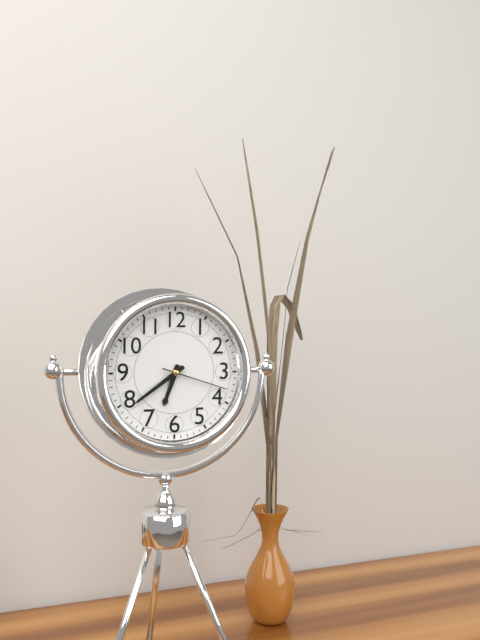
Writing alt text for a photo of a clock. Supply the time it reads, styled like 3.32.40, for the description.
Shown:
6.39.18
